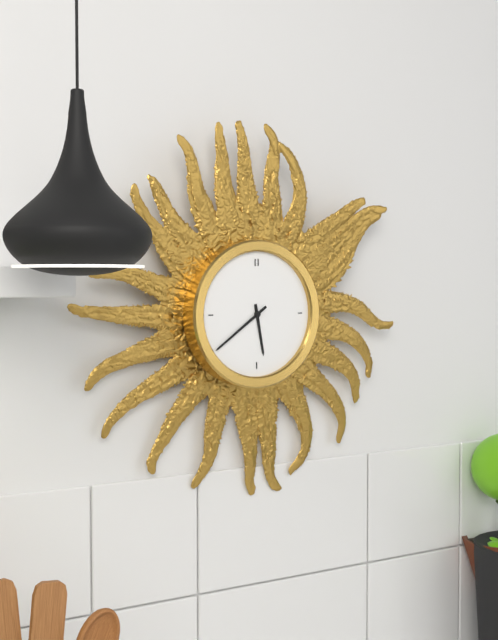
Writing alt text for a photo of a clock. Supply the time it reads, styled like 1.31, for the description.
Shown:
5.39
